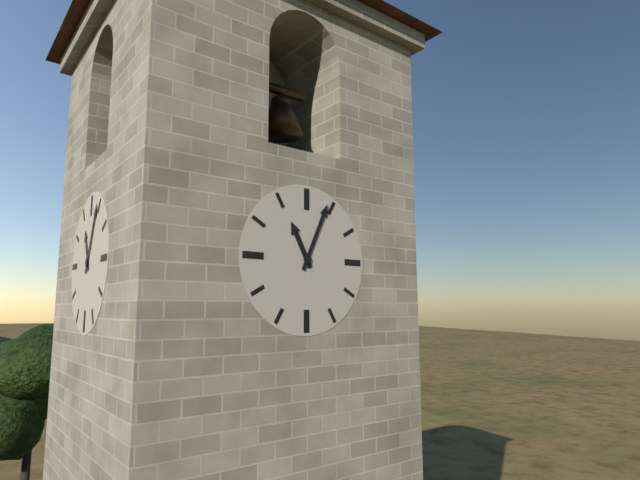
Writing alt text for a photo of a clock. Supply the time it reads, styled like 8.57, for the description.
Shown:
11.04
